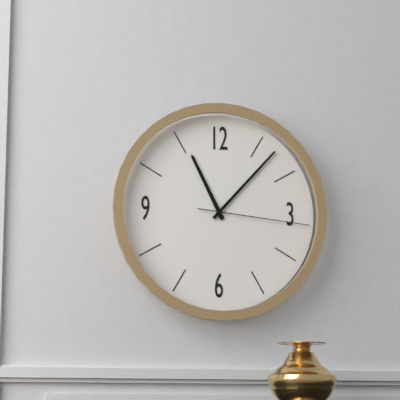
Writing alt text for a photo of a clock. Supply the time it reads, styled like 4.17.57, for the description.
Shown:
11.07.16
